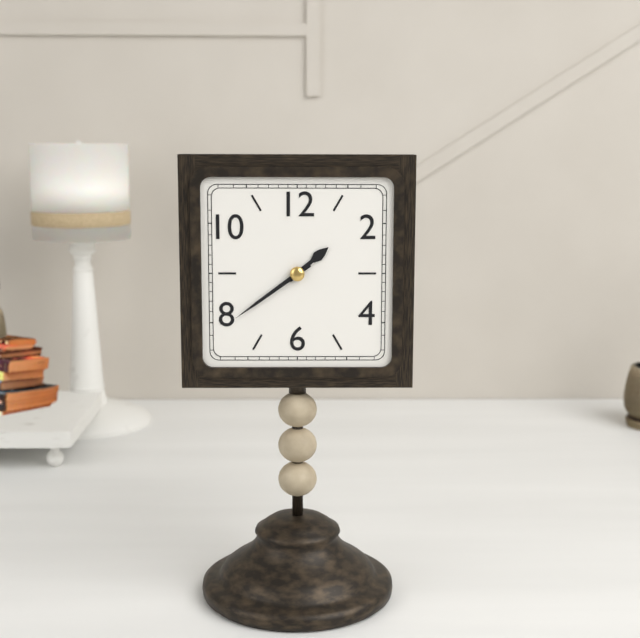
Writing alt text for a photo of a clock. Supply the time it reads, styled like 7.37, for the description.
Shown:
1.39
